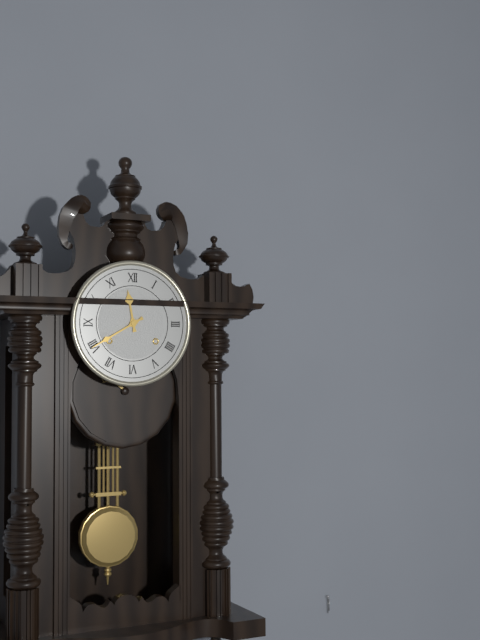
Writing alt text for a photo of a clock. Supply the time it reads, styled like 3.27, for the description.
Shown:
11.40
